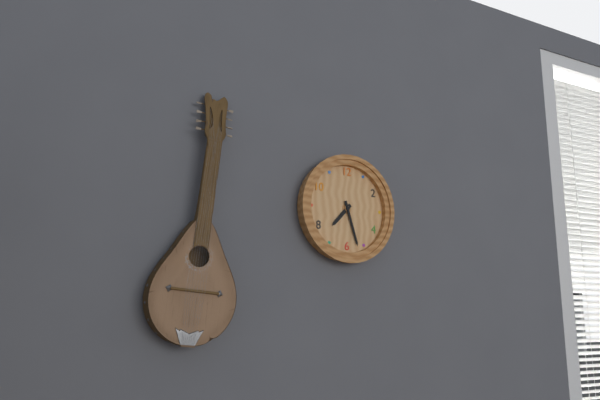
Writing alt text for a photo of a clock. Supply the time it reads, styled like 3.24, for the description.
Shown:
7.27
